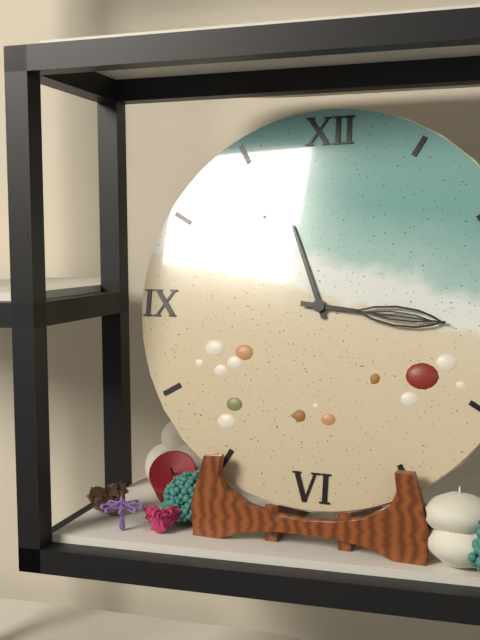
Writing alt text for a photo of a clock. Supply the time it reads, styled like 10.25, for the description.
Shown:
11.16
